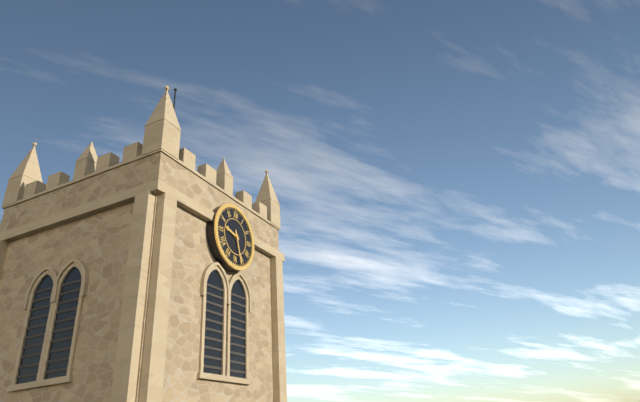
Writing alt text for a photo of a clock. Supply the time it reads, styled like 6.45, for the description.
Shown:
9.27
